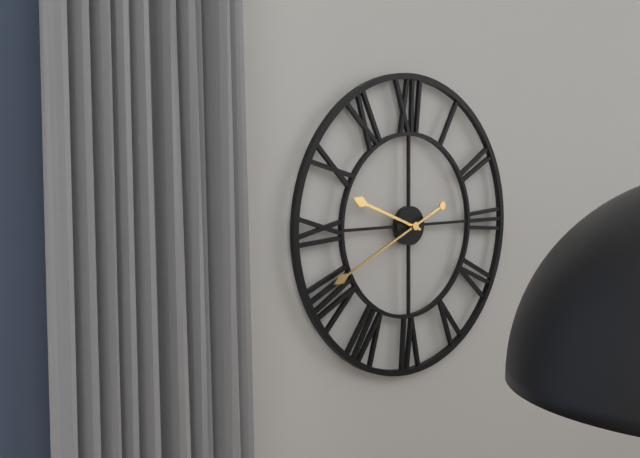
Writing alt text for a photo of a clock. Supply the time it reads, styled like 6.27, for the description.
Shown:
9.41
